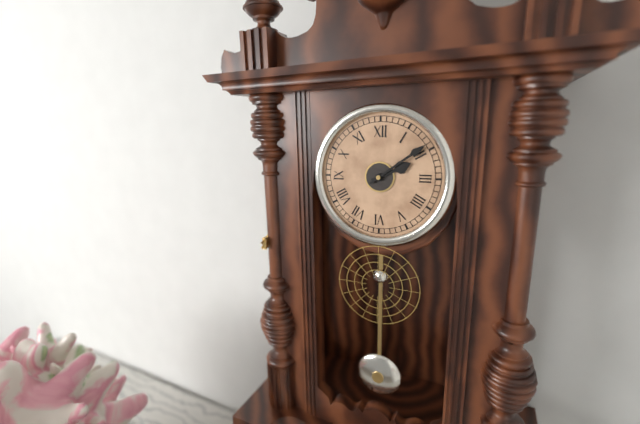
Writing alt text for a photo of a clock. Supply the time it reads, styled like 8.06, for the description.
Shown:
2.09
